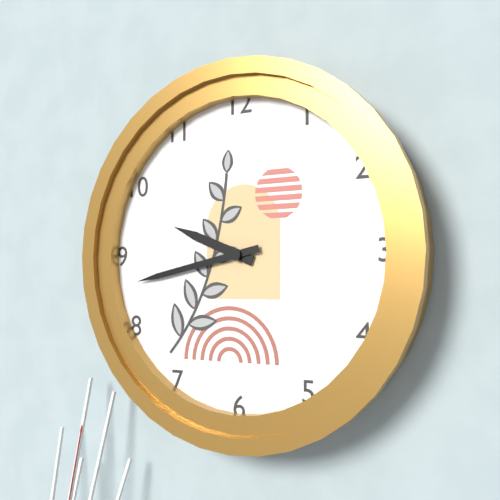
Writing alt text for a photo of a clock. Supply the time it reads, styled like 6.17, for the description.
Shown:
9.43
